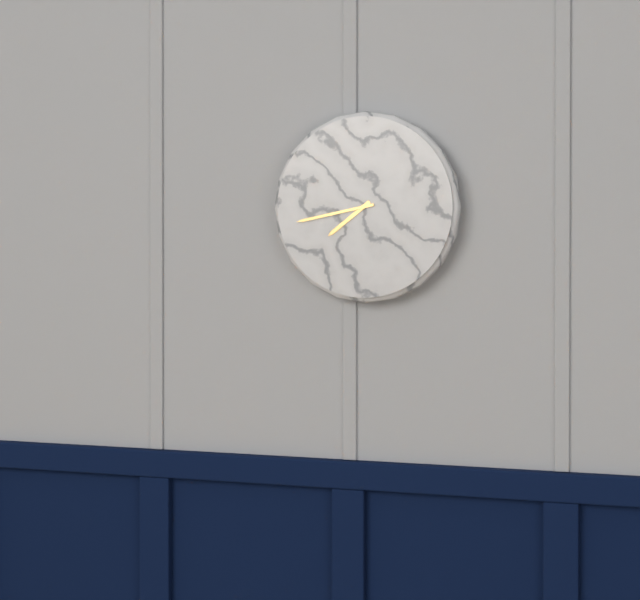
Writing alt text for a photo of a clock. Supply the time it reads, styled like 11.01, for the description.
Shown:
7.43
